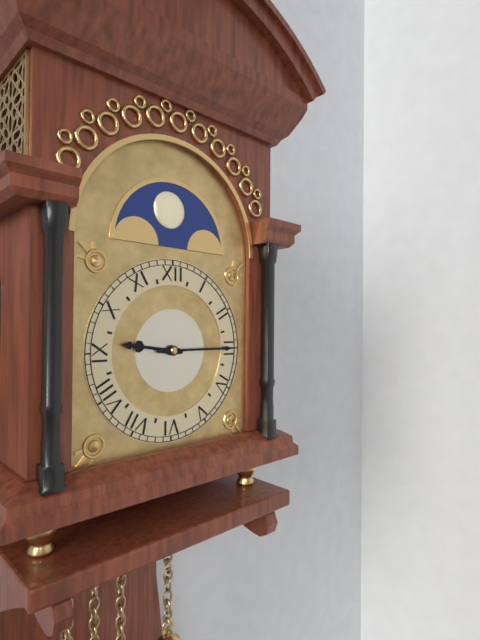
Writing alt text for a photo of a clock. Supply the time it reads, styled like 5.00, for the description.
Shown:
9.15
